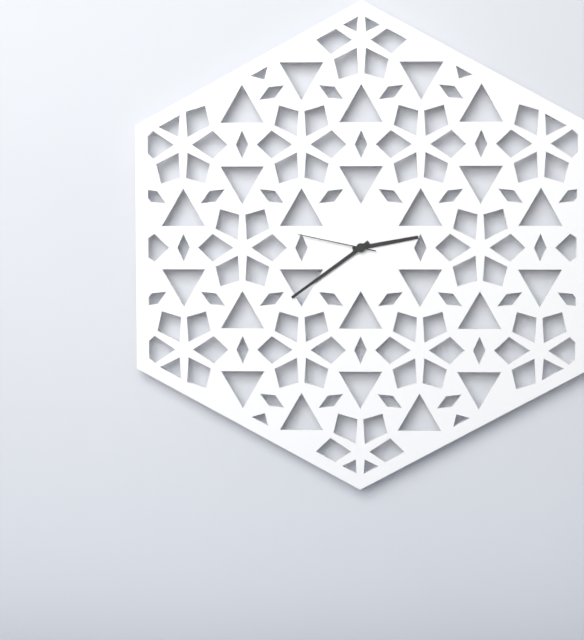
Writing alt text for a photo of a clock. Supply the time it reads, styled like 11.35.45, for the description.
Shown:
2.39.47
